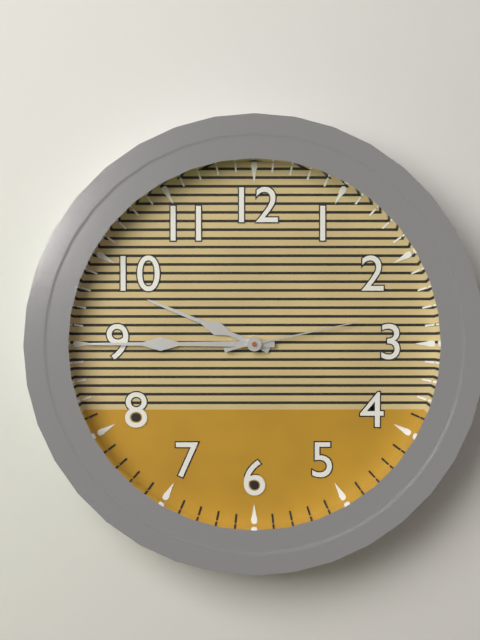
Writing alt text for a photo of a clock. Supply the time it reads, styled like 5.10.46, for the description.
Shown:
9.45.13
